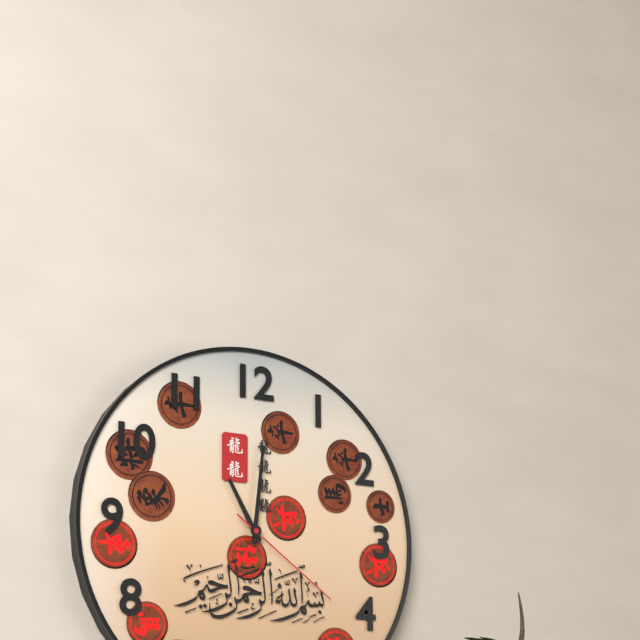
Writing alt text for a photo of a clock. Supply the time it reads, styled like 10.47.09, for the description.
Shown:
11.01.21
